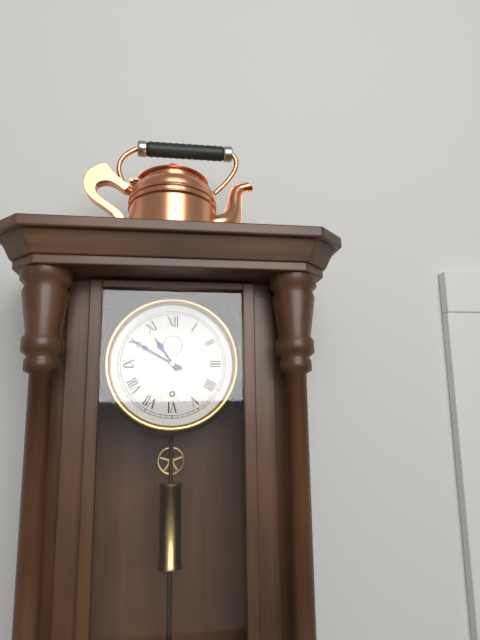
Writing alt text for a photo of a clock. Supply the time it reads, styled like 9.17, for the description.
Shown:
10.50
